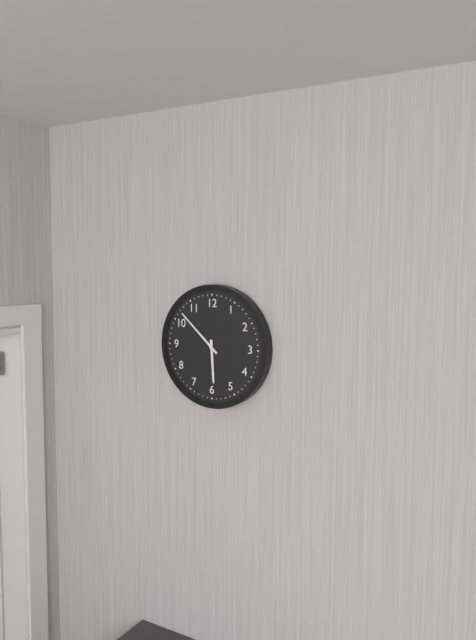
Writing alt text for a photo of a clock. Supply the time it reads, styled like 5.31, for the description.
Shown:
5.52
